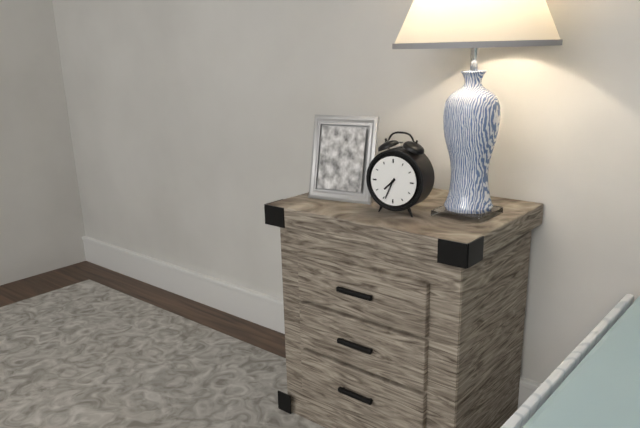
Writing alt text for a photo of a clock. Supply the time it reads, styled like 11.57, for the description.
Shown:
7.34
